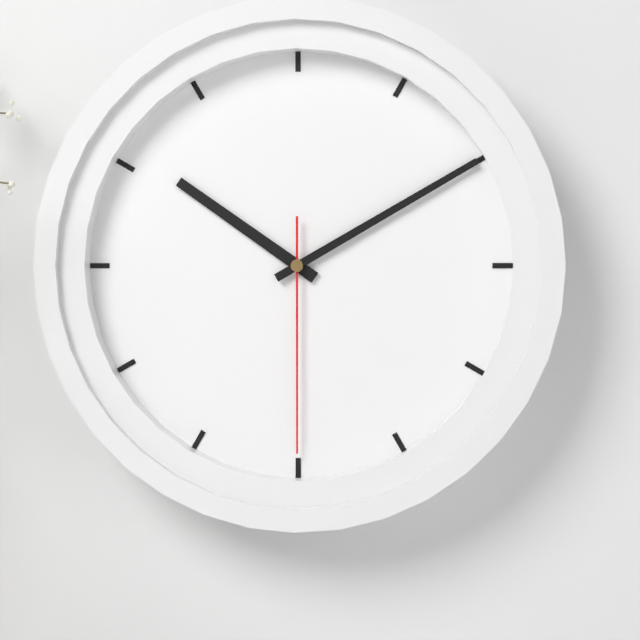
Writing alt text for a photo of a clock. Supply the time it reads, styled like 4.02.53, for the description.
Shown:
10.10.30
